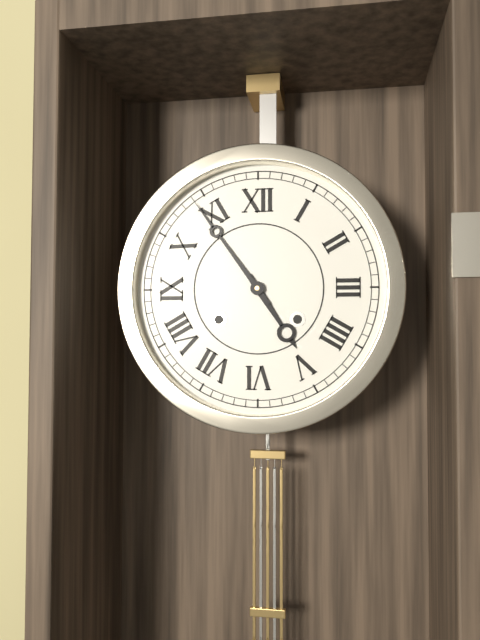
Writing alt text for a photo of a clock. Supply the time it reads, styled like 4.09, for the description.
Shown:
4.54
